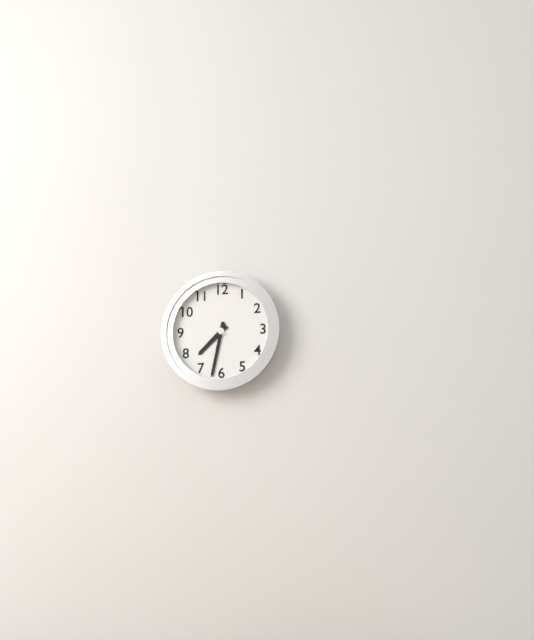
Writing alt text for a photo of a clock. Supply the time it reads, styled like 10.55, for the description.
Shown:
7.32
